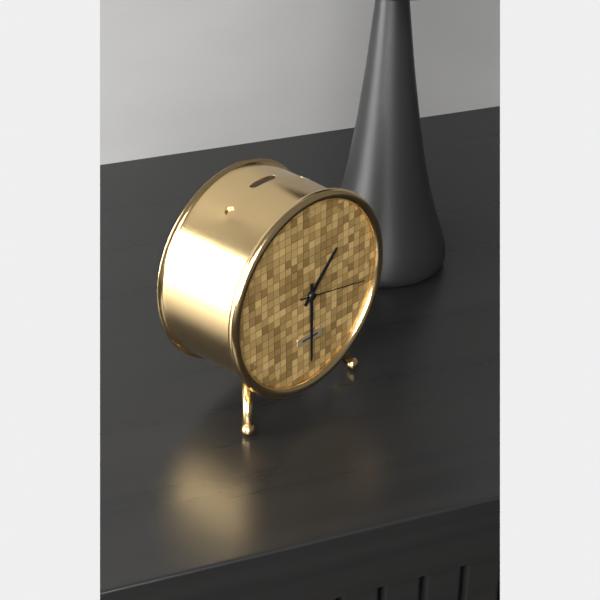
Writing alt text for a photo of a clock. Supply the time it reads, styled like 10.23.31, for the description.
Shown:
1.30.17
